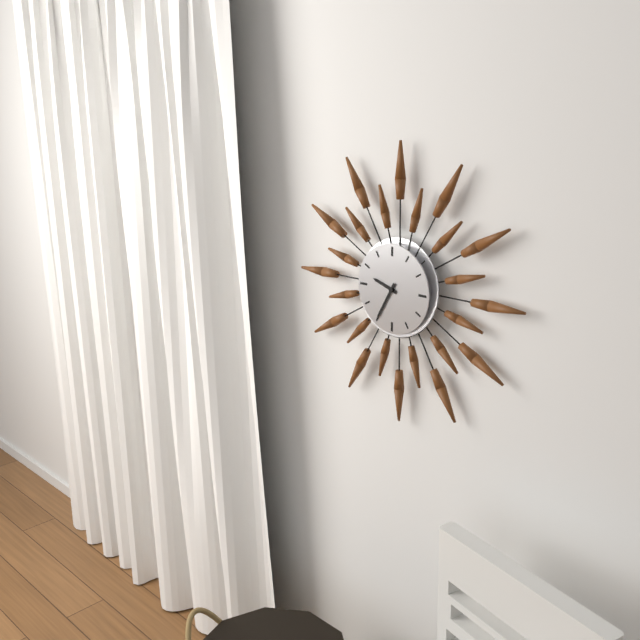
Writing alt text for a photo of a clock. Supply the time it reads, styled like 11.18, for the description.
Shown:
9.35
